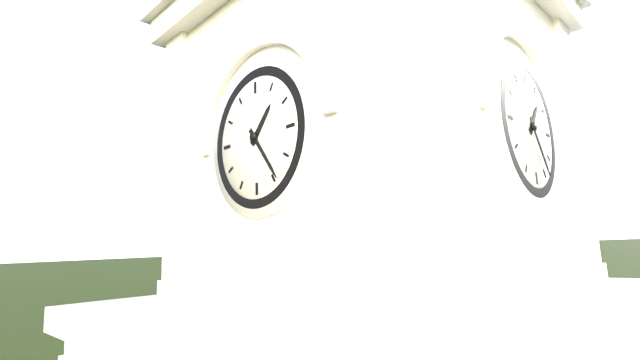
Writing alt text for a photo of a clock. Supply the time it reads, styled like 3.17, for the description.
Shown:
1.24
